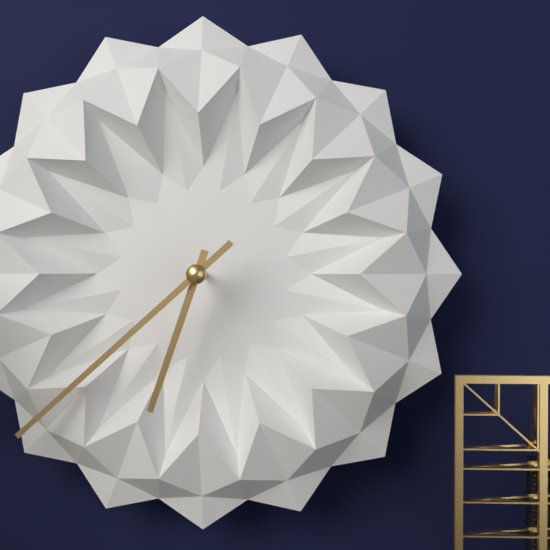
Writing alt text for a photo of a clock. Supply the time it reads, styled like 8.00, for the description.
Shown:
6.38
